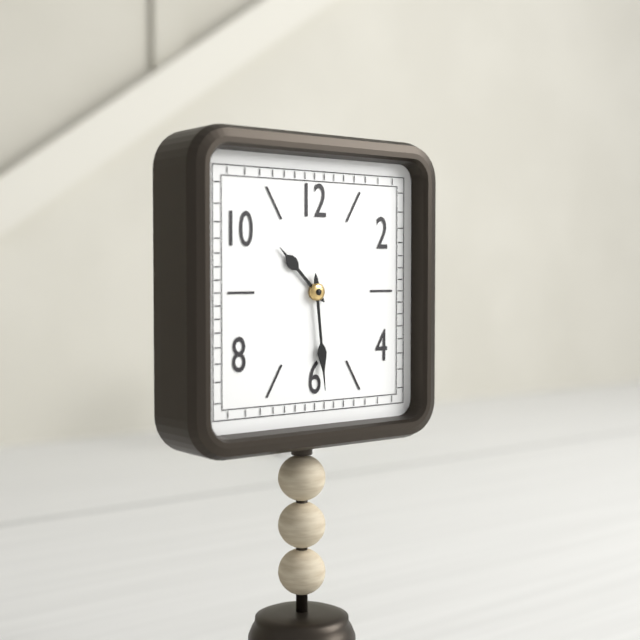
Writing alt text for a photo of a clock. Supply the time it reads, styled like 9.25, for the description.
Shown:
10.29
